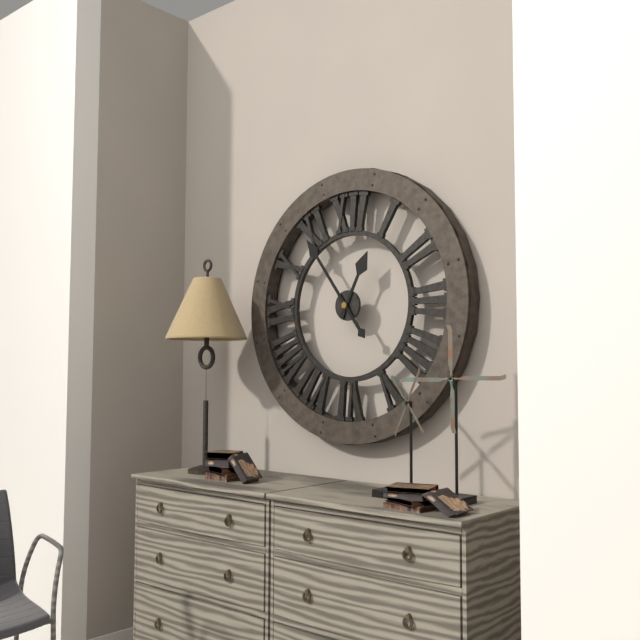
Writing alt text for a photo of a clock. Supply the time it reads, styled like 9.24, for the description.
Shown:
12.54
